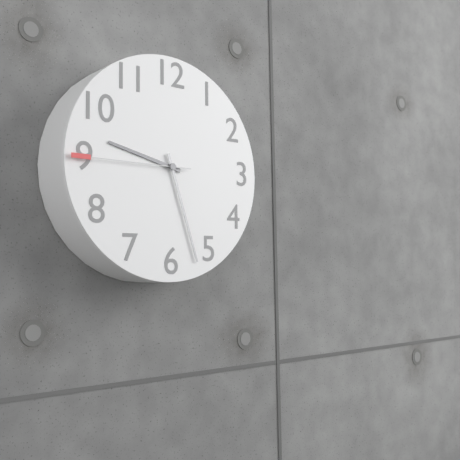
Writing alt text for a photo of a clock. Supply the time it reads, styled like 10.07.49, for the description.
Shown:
9.27.45
